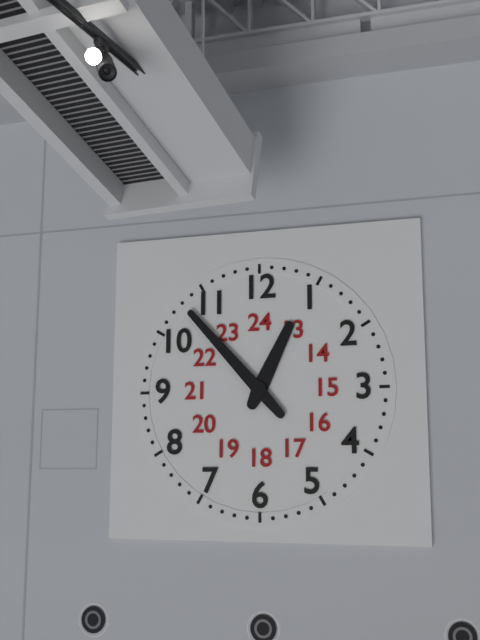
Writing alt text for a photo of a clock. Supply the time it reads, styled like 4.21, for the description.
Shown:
12.53
